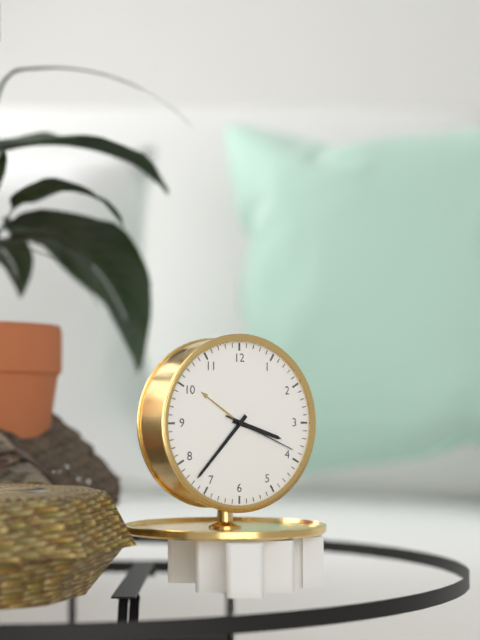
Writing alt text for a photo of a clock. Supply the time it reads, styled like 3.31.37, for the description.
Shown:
3.37.19
